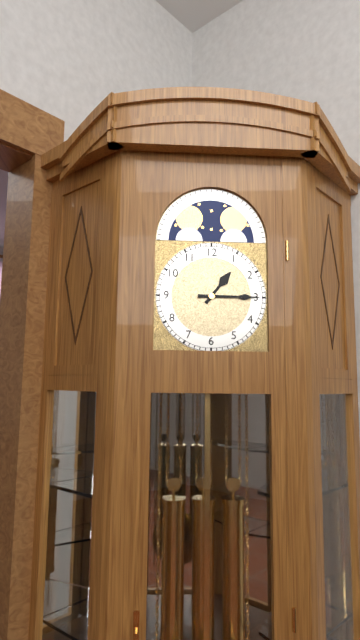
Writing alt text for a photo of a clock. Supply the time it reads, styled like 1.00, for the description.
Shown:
1.15
